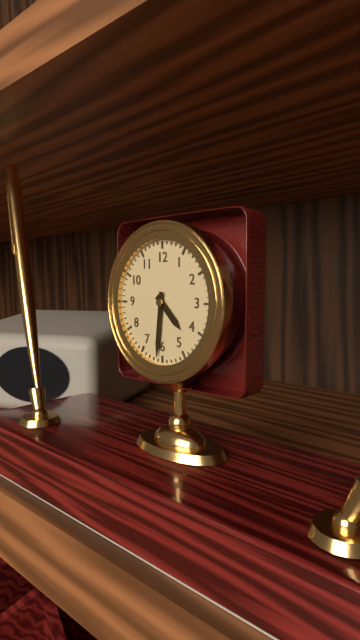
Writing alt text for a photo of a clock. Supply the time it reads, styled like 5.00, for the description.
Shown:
4.31
